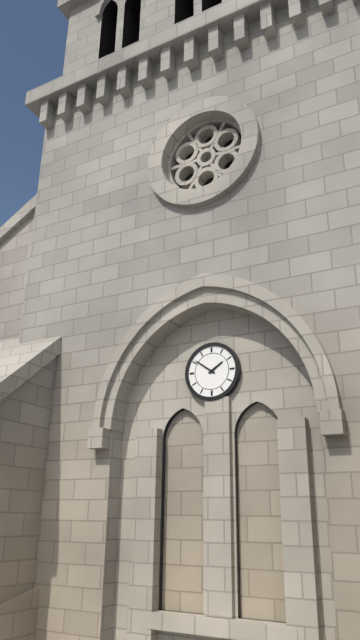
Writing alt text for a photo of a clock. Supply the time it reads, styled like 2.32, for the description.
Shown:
1.51
